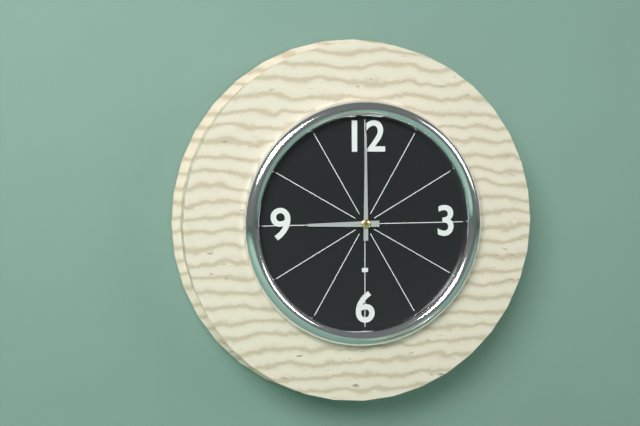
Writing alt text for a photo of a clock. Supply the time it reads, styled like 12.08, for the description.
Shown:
9.00
